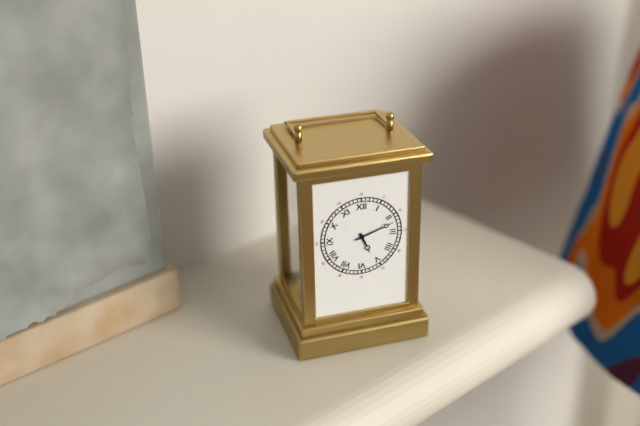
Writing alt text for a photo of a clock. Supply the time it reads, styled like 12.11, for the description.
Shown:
5.12
